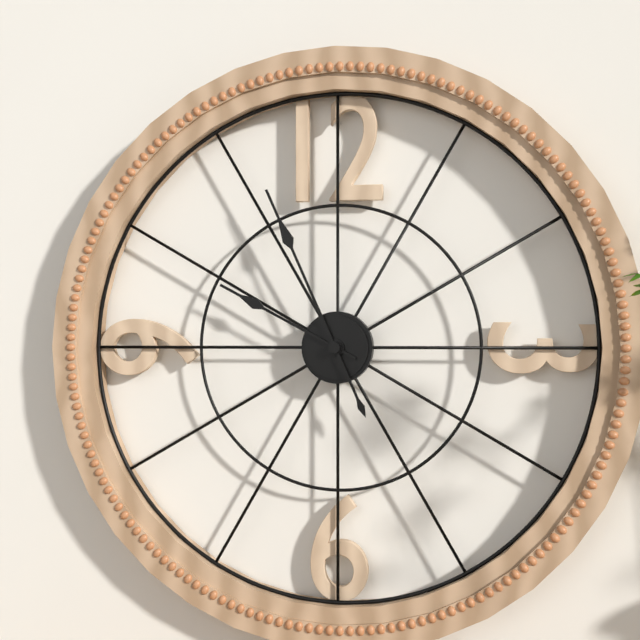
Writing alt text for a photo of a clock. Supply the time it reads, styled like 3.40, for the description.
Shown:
9.56
